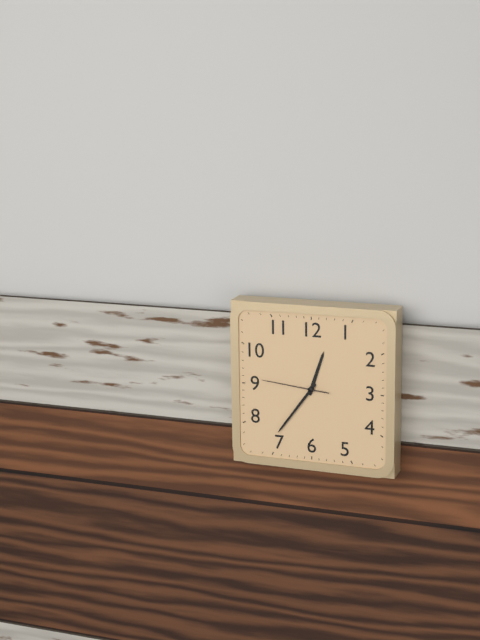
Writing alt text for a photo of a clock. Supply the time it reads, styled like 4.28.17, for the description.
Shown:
12.36.46
